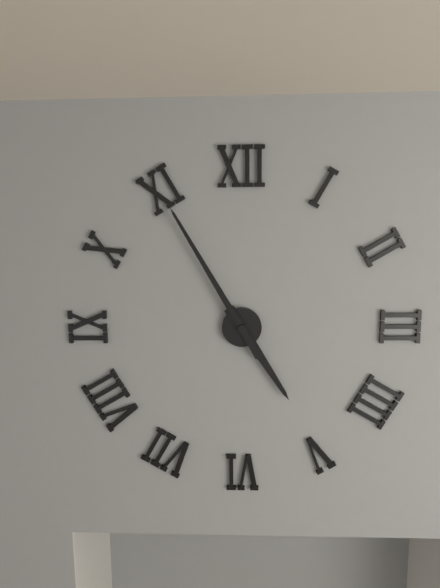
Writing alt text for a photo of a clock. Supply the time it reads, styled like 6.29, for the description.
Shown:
4.55
